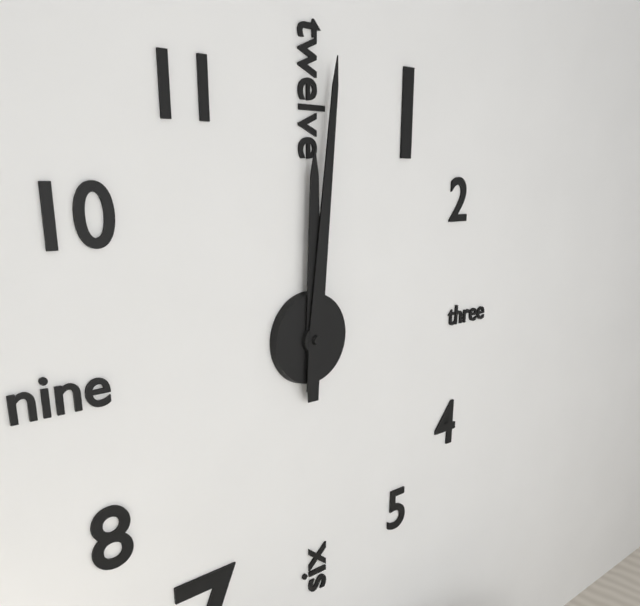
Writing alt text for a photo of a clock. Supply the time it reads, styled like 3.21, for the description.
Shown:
12.01
